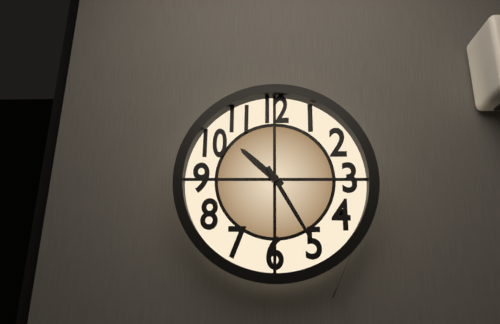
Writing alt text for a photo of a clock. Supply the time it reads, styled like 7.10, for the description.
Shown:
10.25
